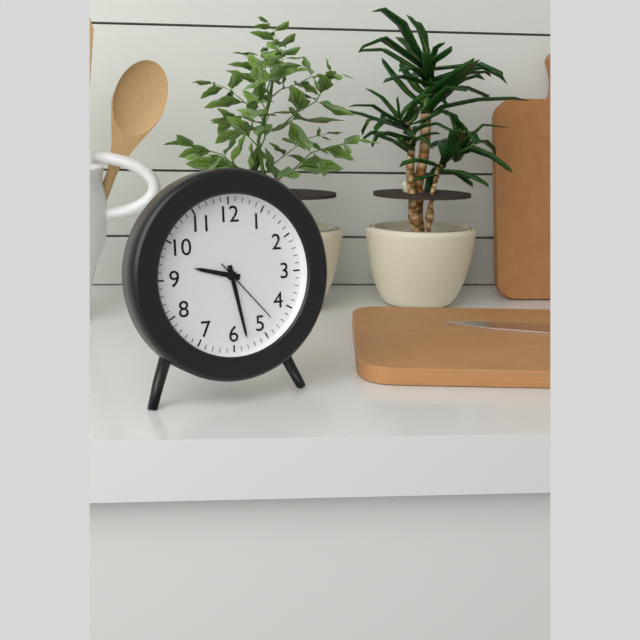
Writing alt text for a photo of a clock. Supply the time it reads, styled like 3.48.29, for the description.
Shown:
9.28.23
